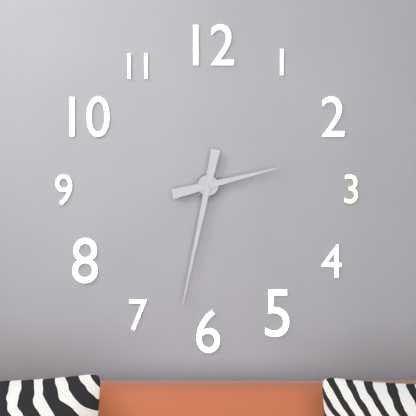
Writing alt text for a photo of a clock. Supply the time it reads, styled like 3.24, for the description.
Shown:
2.32
